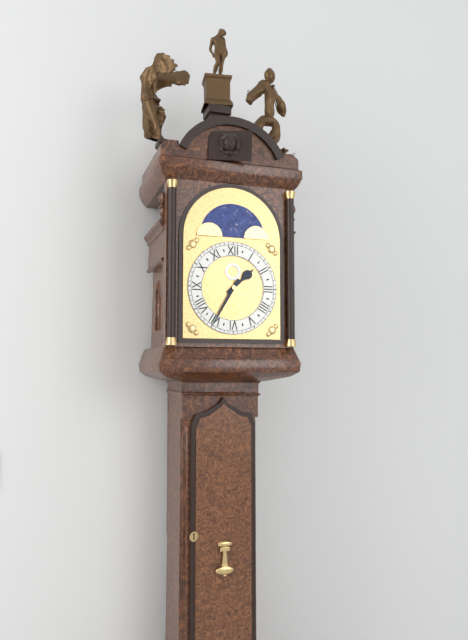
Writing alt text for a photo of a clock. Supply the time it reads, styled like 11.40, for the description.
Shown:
1.35
